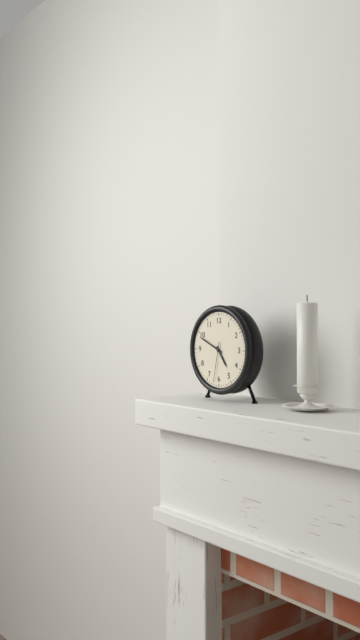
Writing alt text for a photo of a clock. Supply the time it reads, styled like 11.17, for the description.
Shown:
4.49
